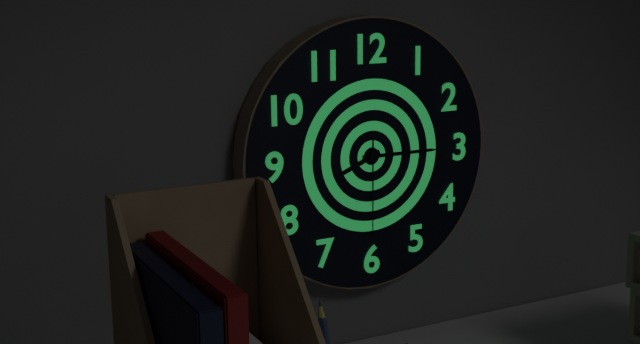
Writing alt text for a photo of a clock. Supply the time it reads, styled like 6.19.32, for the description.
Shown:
8.15.30
